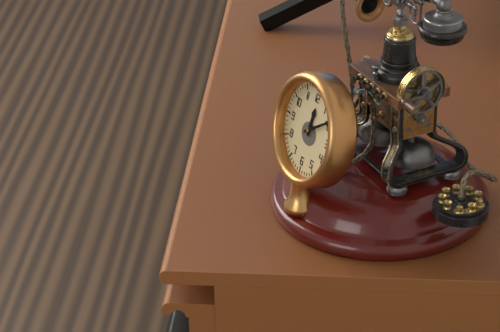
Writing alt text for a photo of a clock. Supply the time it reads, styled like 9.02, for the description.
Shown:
12.09
